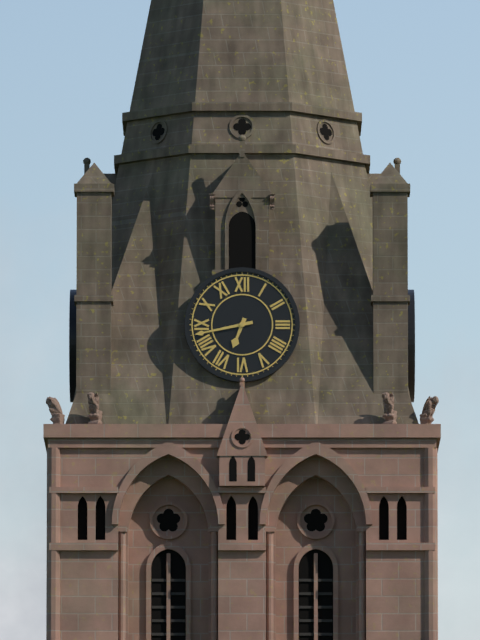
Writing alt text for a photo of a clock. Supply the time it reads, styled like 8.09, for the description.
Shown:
6.43
